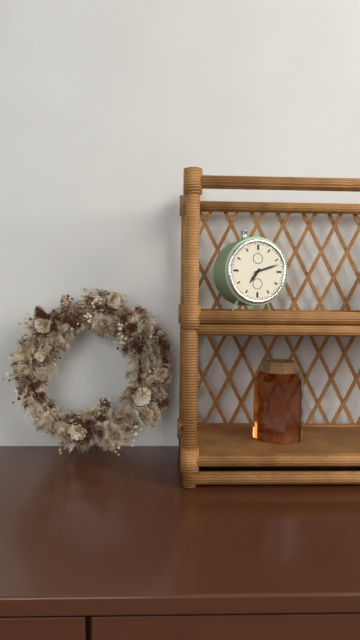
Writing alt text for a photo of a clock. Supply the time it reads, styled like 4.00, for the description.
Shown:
7.12
